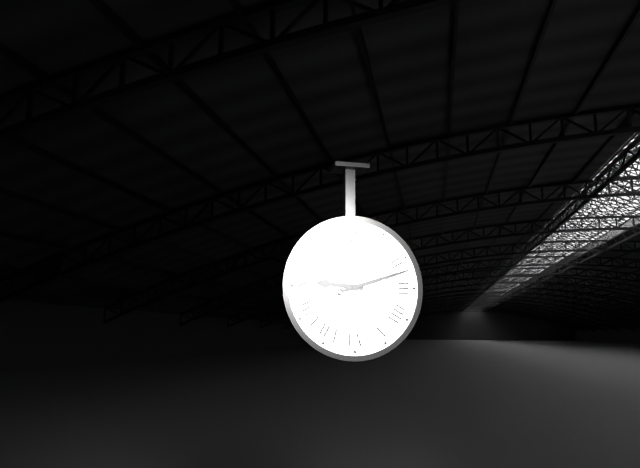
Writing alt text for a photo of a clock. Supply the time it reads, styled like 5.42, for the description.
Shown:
9.12
